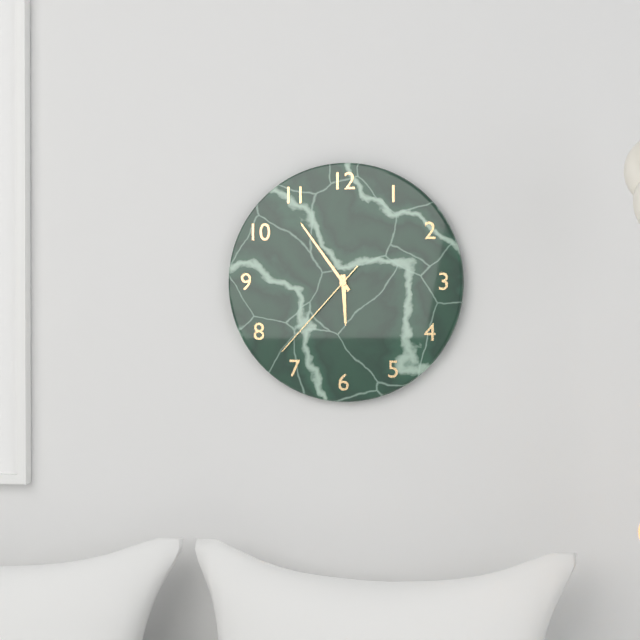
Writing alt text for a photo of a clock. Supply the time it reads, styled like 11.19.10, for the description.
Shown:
5.54.37
